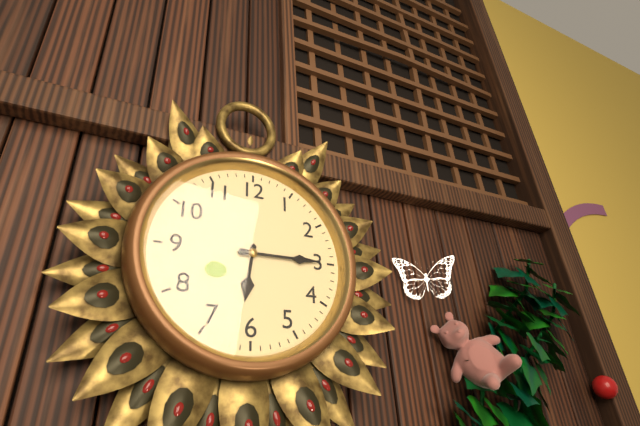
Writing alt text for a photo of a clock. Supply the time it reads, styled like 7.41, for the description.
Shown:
6.15
